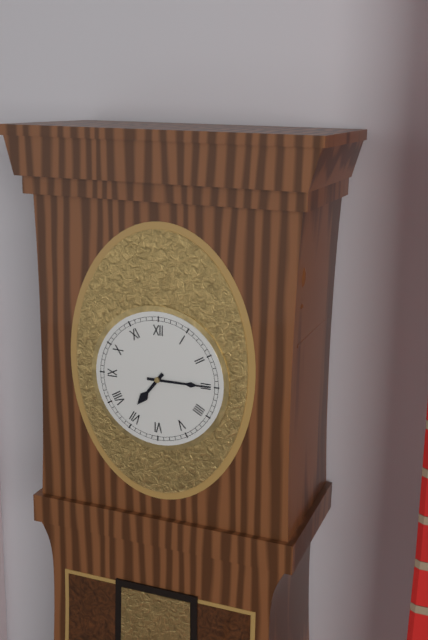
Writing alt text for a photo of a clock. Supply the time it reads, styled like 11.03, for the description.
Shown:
7.15
